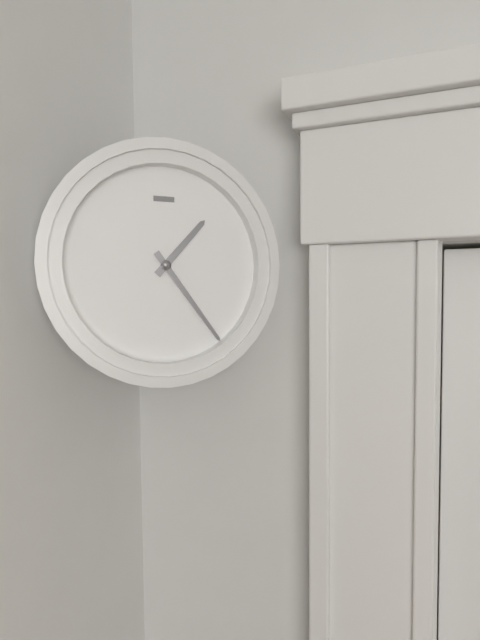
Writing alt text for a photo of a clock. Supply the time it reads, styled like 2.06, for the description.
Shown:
1.24
